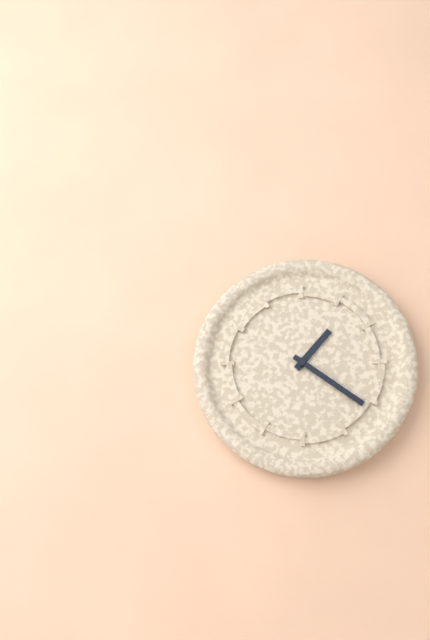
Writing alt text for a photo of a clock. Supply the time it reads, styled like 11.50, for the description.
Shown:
1.21
